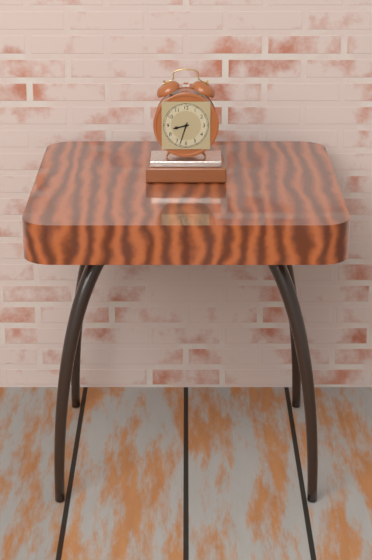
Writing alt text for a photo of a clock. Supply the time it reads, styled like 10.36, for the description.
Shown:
8.33
